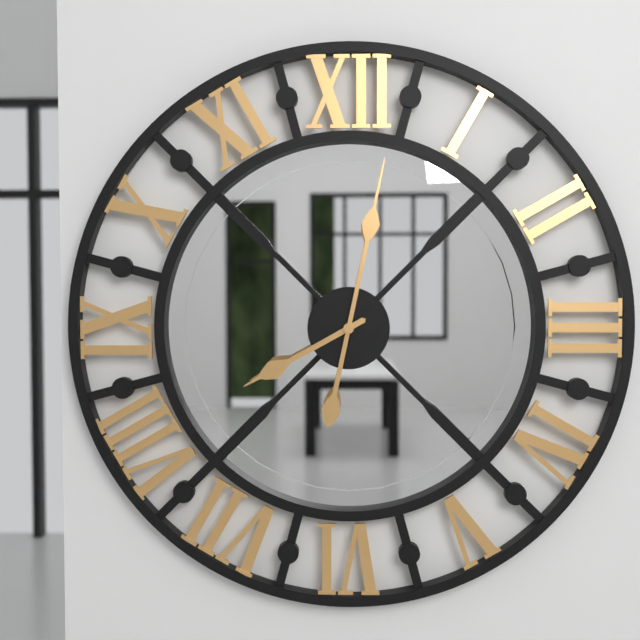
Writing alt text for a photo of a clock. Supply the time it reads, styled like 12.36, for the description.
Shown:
8.02
